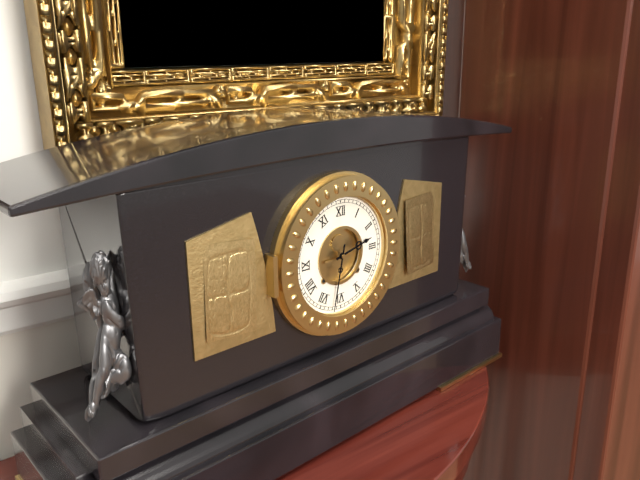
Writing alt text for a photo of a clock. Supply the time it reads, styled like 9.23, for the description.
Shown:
2.32
